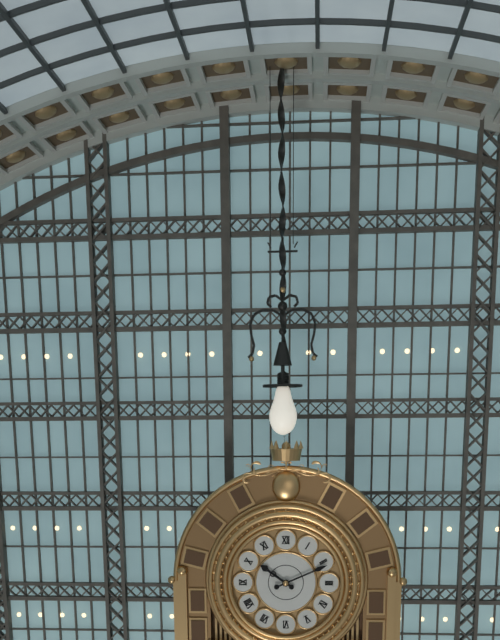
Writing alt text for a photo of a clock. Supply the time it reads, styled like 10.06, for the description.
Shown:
10.11
